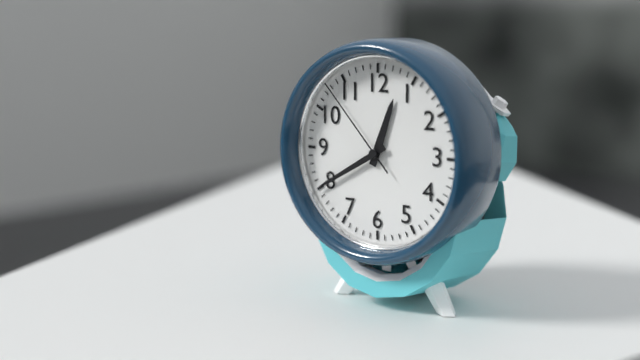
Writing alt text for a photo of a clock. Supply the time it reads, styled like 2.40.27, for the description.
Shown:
12.40.53
